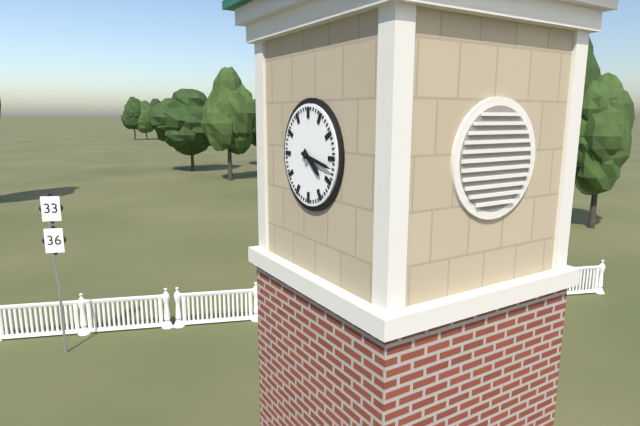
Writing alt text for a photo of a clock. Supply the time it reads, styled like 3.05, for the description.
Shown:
4.17
